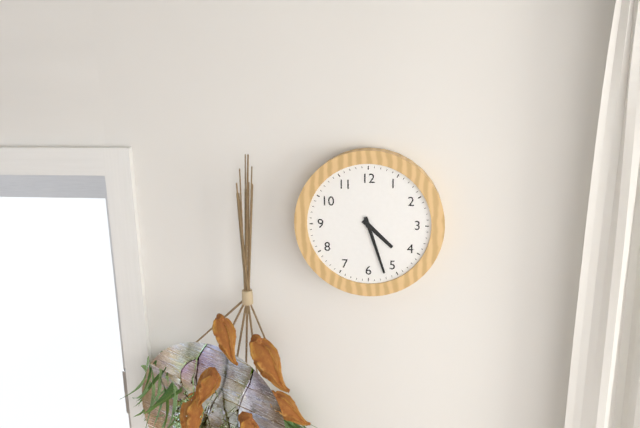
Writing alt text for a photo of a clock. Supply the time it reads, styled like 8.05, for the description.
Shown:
4.27
